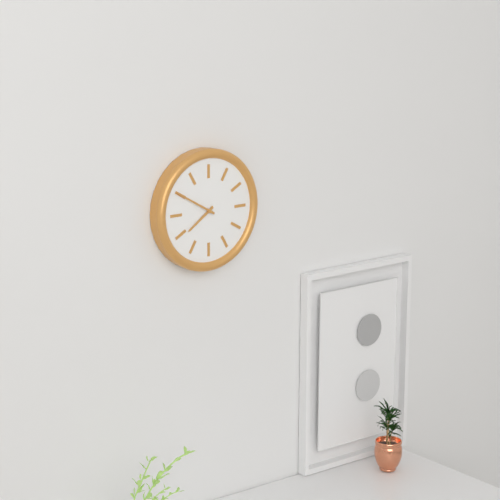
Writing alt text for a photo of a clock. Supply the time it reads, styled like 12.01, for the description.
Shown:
7.50
